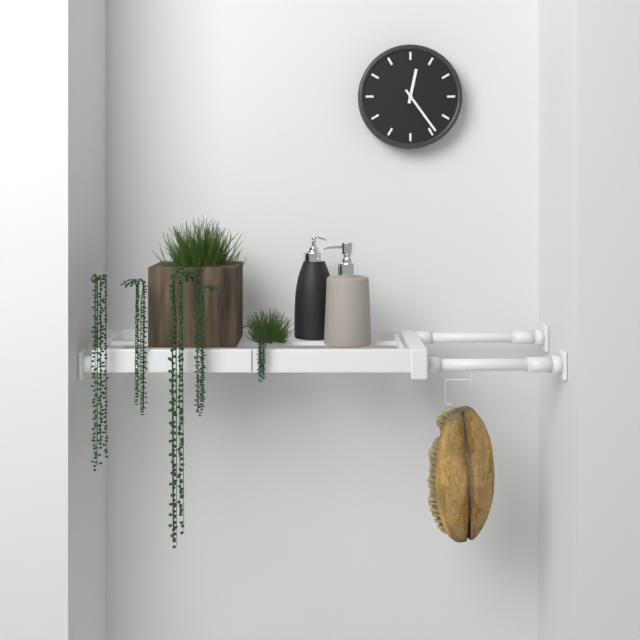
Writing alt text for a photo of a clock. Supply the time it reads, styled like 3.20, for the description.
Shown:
12.24
